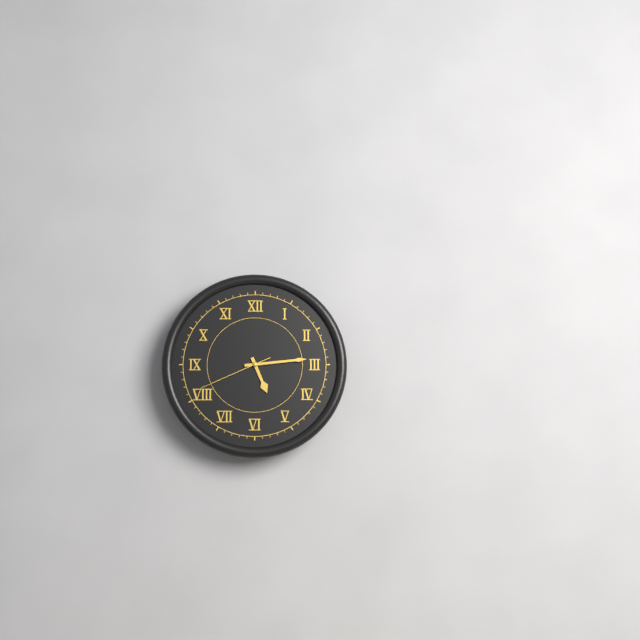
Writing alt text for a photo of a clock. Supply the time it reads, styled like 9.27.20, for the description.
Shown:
5.14.41
